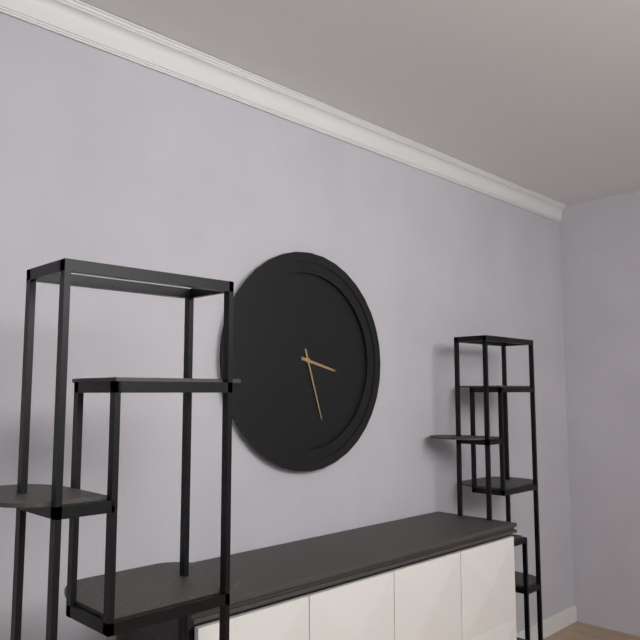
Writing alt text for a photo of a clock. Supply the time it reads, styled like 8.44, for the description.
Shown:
3.27
